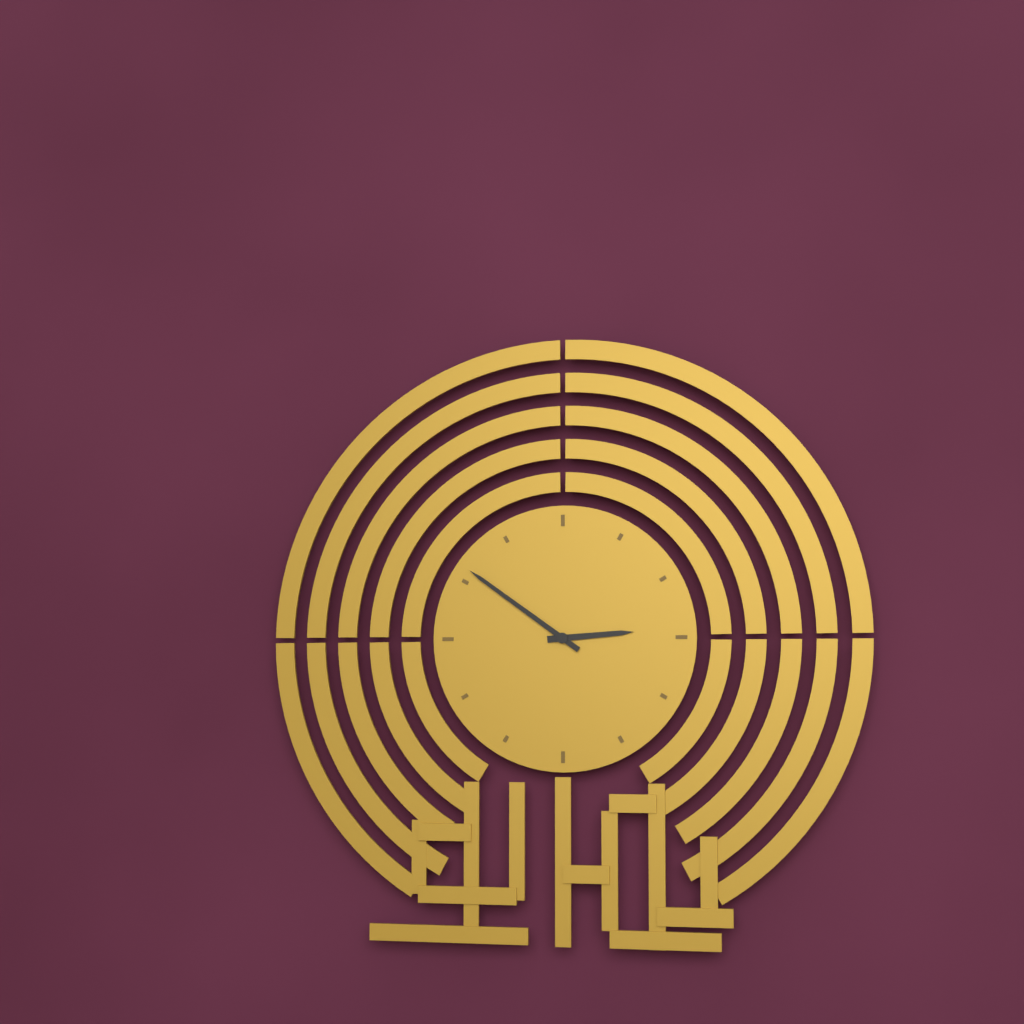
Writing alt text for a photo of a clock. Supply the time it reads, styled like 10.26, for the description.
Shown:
2.51
